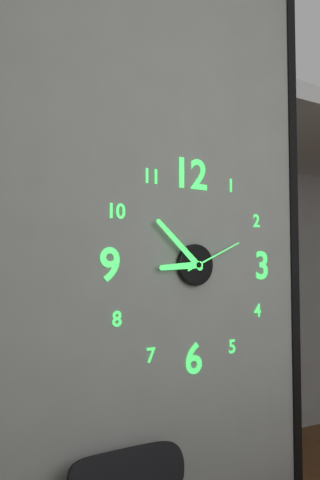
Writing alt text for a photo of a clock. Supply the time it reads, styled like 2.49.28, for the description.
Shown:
8.52.11
